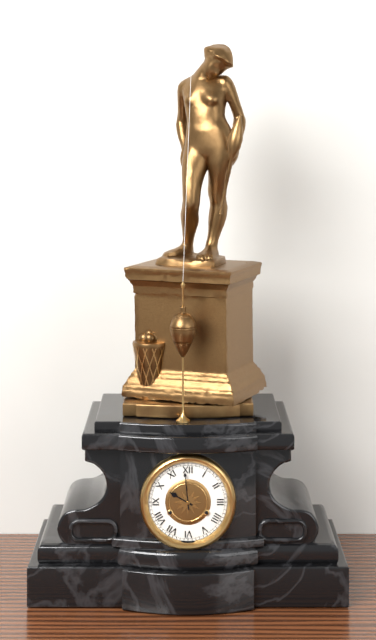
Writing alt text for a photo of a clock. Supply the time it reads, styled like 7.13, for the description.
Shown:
9.59
